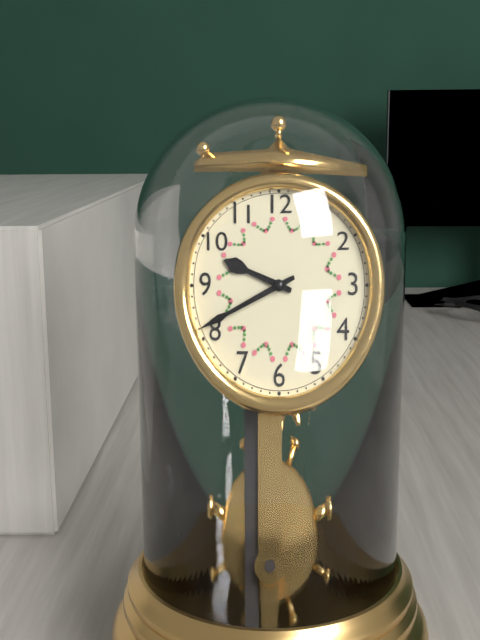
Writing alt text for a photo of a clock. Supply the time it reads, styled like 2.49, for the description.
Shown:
9.41
